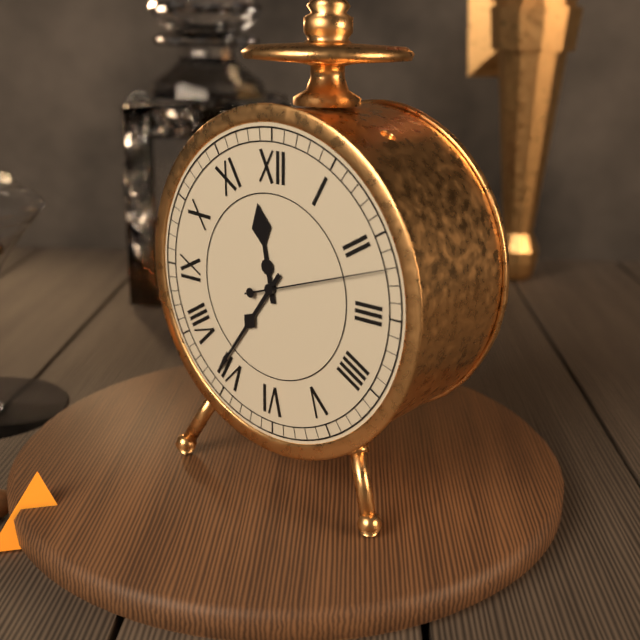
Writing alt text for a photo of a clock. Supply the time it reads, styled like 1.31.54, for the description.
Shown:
11.36.12
